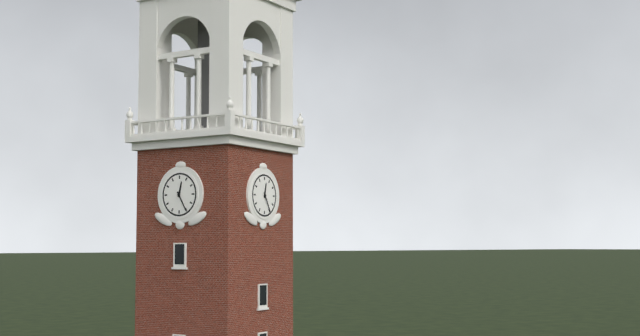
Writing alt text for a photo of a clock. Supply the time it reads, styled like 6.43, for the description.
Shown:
12.25
